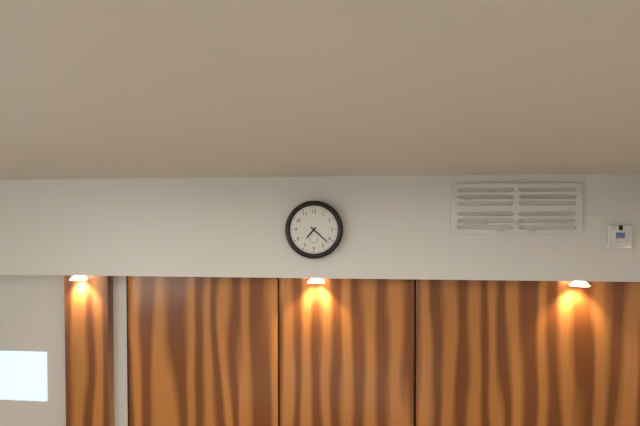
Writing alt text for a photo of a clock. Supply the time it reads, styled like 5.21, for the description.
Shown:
7.22
